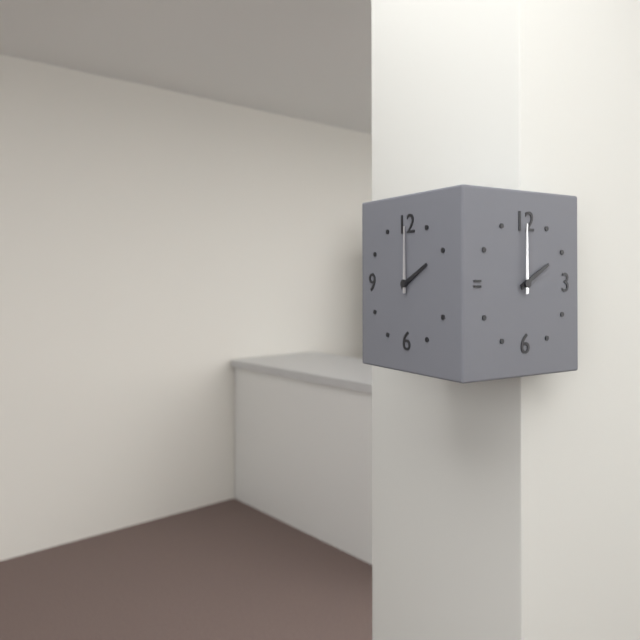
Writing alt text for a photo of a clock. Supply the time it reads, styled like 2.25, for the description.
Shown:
2.00
